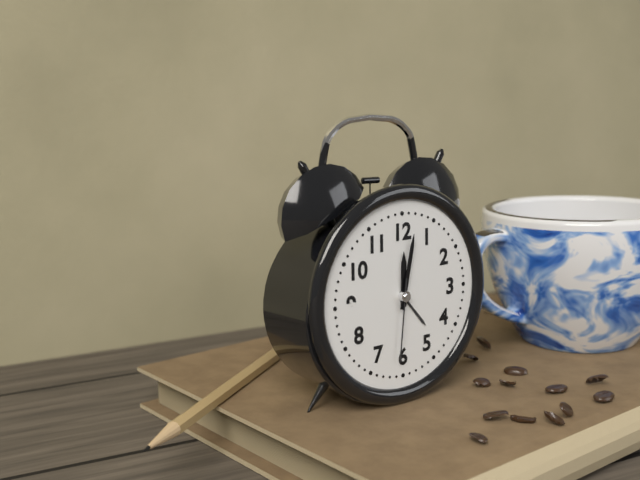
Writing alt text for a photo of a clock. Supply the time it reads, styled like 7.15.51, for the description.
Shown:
12.02.31
